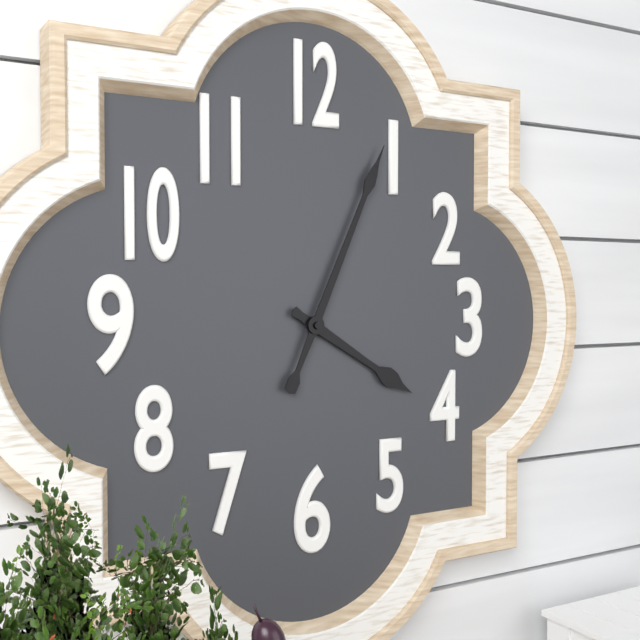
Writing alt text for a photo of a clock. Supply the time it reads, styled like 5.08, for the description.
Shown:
4.04
